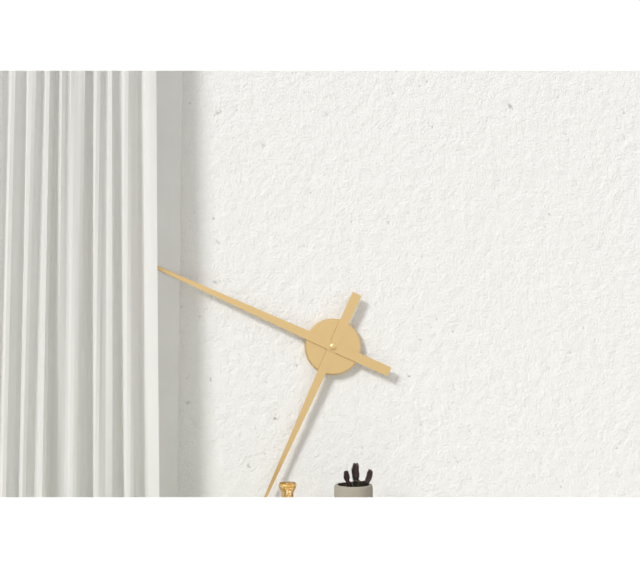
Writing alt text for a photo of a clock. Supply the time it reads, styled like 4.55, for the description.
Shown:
6.49
